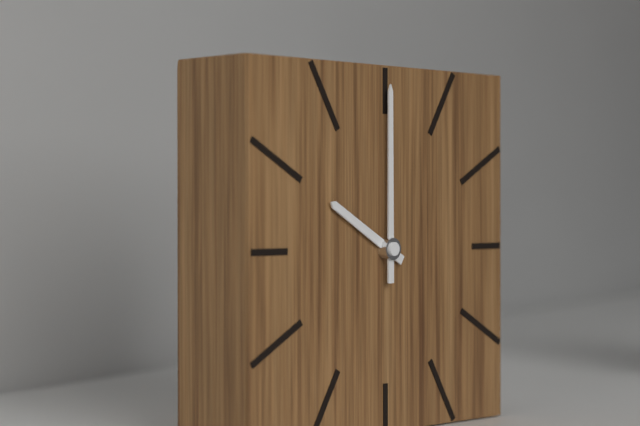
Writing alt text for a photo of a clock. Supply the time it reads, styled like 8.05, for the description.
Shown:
10.00
